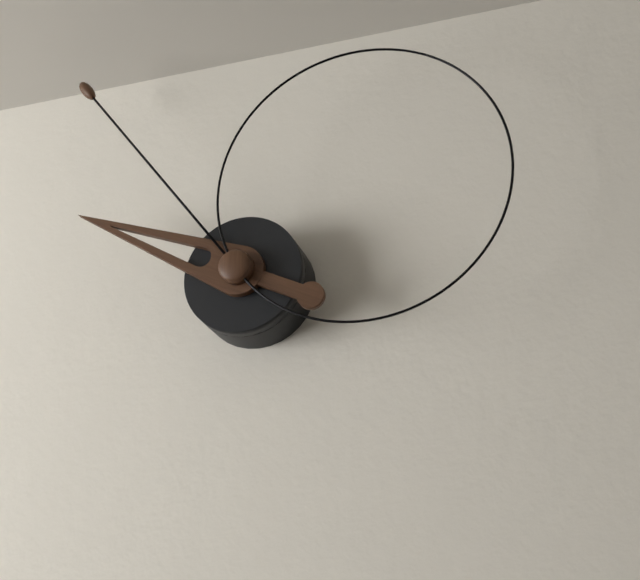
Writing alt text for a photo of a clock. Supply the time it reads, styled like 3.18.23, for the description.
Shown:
9.54.10
